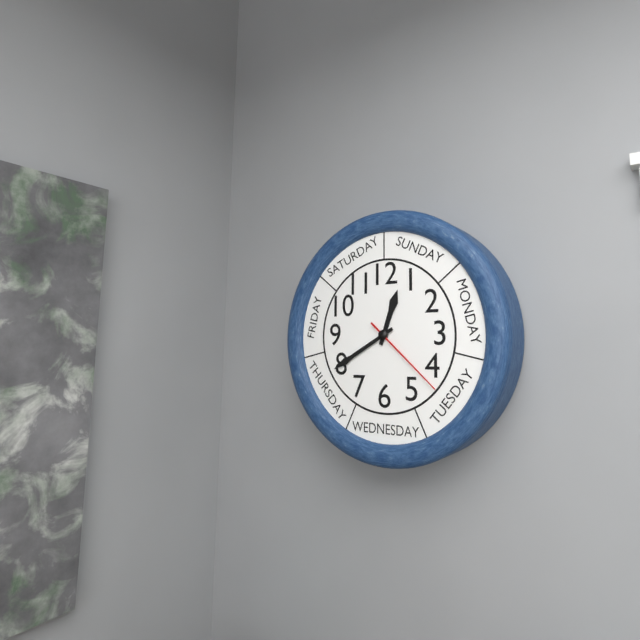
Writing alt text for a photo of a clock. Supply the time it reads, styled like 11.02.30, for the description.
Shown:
12.40.22
